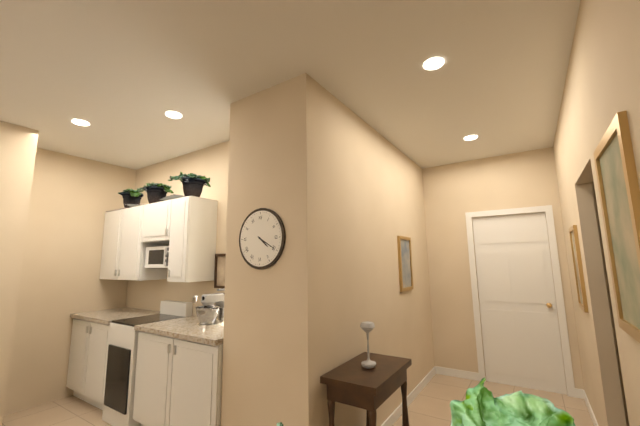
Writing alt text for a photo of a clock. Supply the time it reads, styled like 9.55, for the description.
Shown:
4.20
